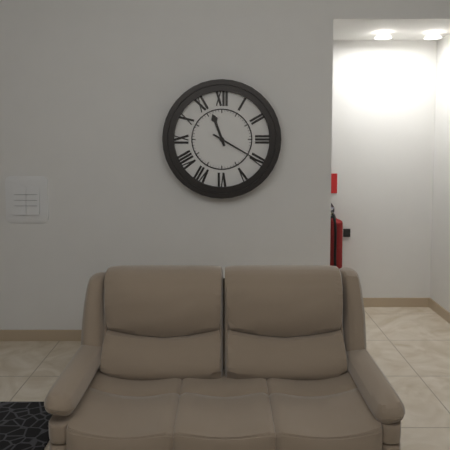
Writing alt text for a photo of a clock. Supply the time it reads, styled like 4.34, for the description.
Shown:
11.20
